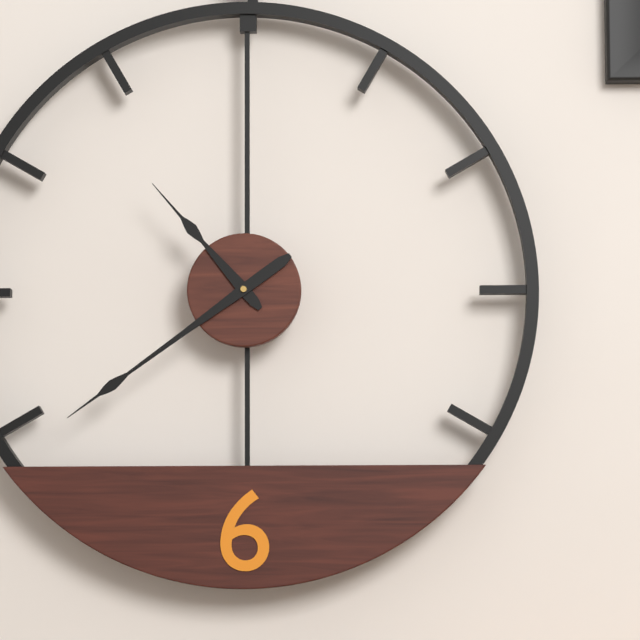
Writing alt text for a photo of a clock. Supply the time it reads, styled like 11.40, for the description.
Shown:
10.39
